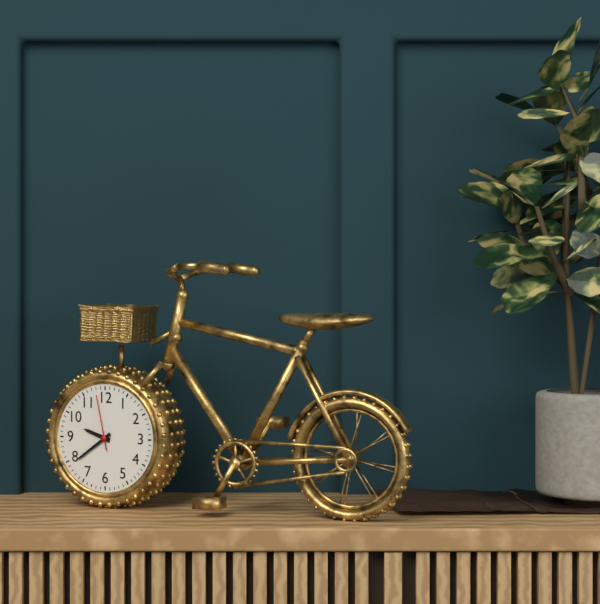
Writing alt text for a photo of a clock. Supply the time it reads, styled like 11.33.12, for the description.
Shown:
9.39.58
